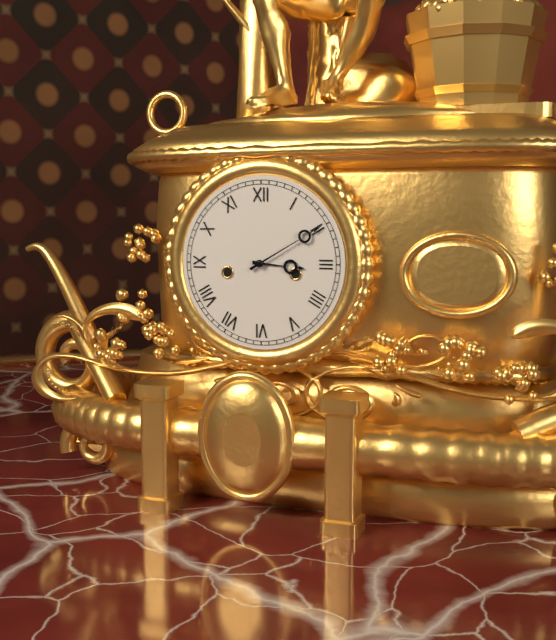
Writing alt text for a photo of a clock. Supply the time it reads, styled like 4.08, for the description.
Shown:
3.10
